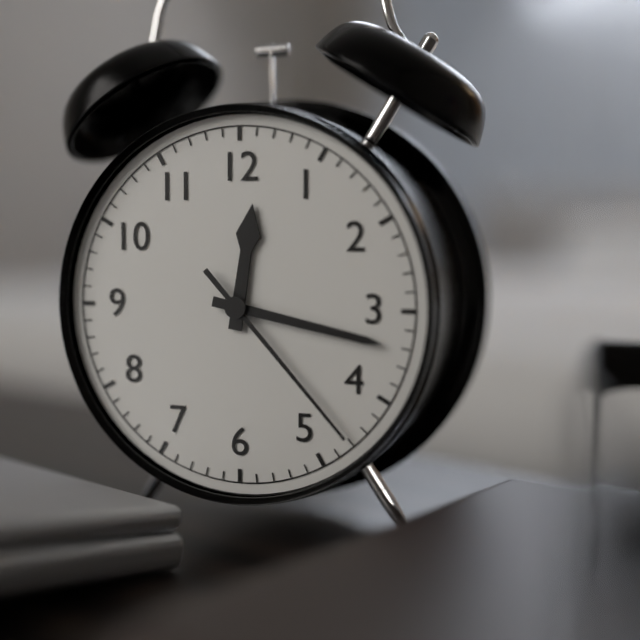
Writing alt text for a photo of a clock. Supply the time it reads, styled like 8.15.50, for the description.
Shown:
12.17.23
